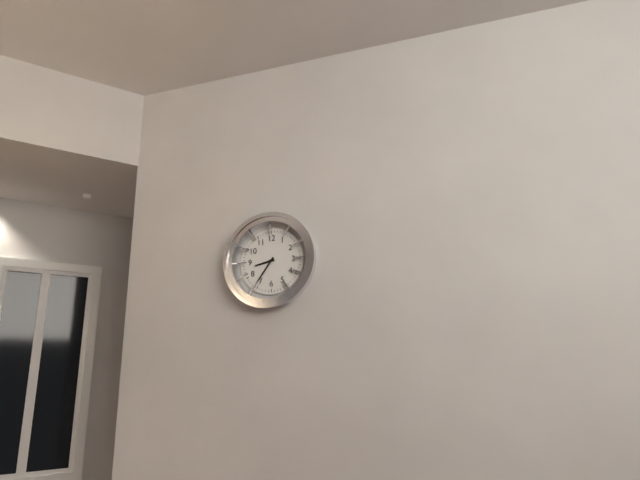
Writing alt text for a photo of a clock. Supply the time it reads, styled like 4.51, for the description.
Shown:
8.36
